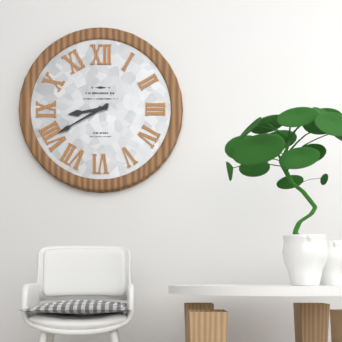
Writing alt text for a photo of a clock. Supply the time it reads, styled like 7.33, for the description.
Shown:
8.40
